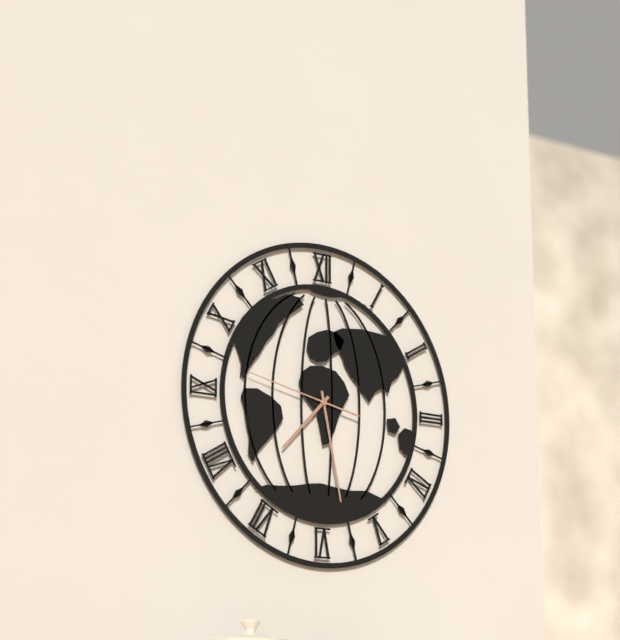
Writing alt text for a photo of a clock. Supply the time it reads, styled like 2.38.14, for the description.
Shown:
7.28.47
